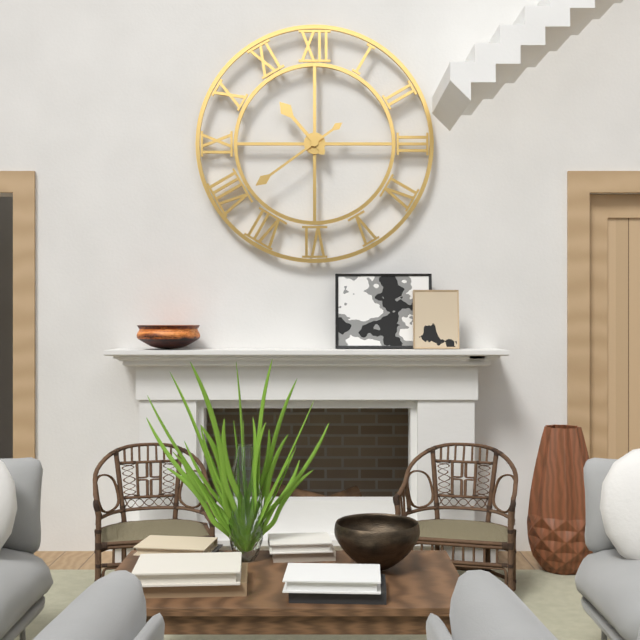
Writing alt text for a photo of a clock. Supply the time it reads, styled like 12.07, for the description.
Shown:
10.39
